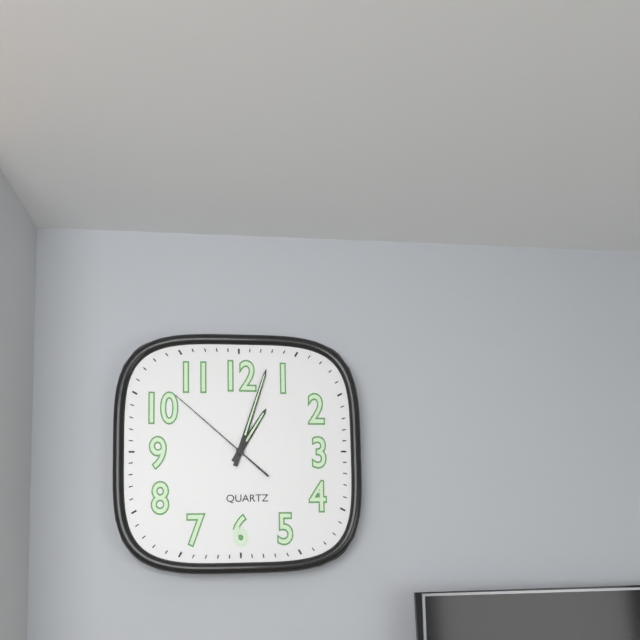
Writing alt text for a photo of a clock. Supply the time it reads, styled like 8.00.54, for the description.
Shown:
1.03.52
